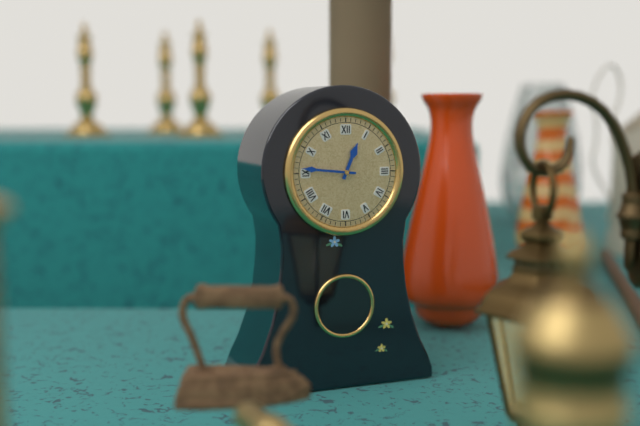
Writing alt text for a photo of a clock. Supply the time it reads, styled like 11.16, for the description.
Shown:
12.46
